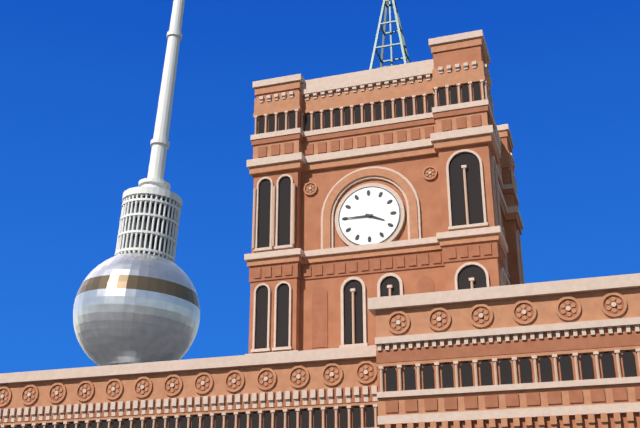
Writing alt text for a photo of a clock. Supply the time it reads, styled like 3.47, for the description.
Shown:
3.45
